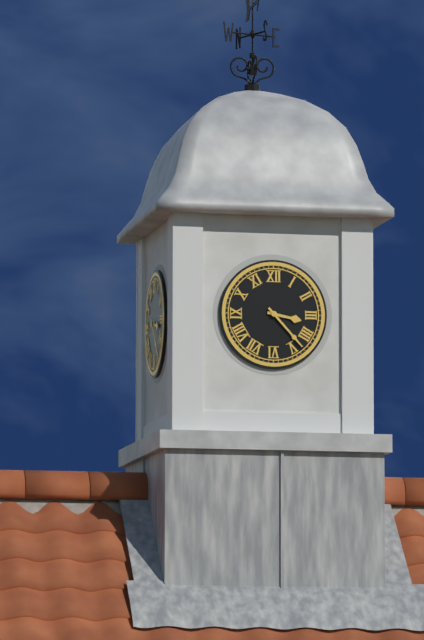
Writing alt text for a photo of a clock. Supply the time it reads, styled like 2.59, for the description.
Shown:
3.23
